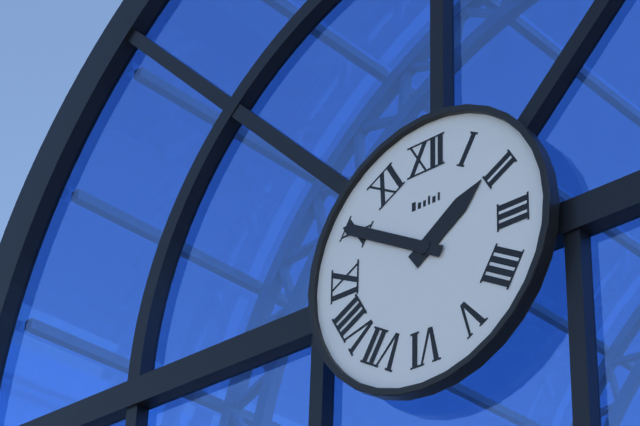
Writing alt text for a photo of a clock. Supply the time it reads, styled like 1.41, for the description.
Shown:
1.50
